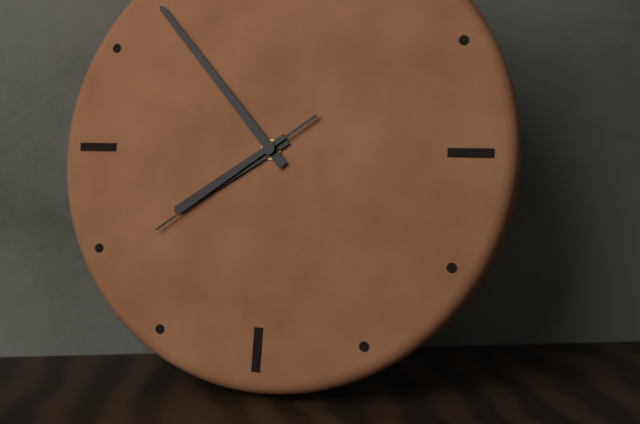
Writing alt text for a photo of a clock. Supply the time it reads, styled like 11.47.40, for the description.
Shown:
7.53.39
